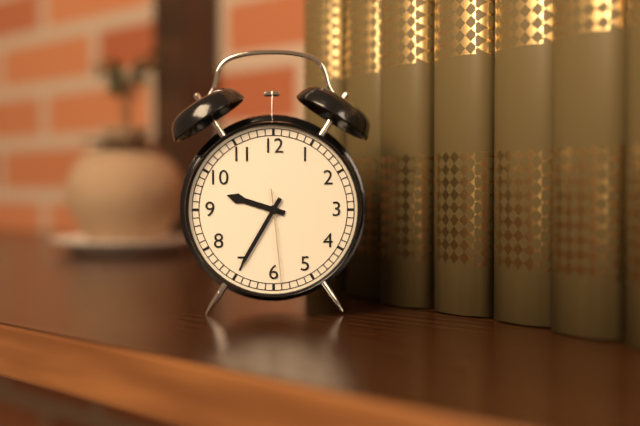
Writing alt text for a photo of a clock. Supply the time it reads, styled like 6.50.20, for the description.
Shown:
9.35.29
